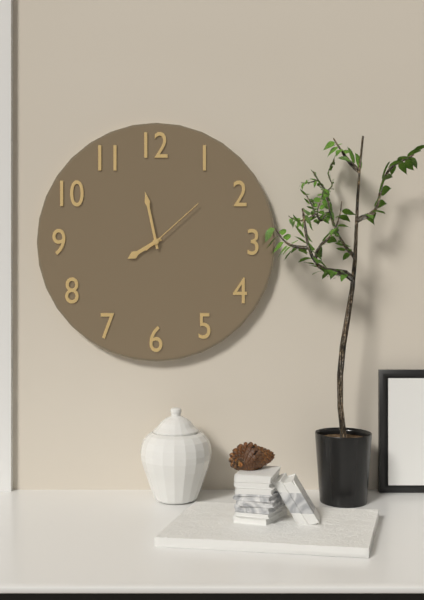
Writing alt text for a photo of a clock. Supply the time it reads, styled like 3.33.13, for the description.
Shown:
7.58.08
